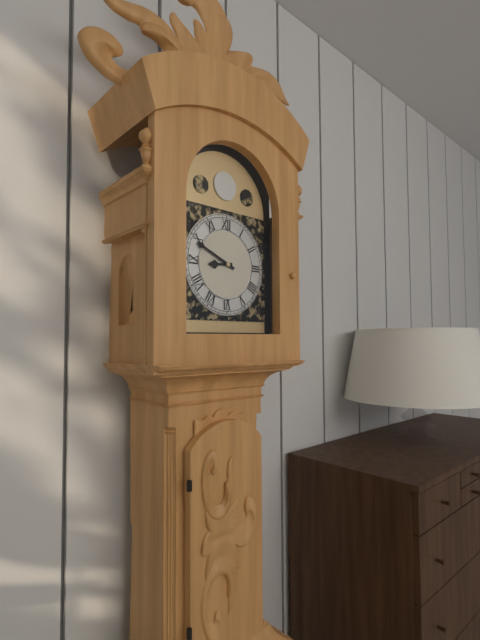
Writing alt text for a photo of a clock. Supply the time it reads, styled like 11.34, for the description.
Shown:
8.49
